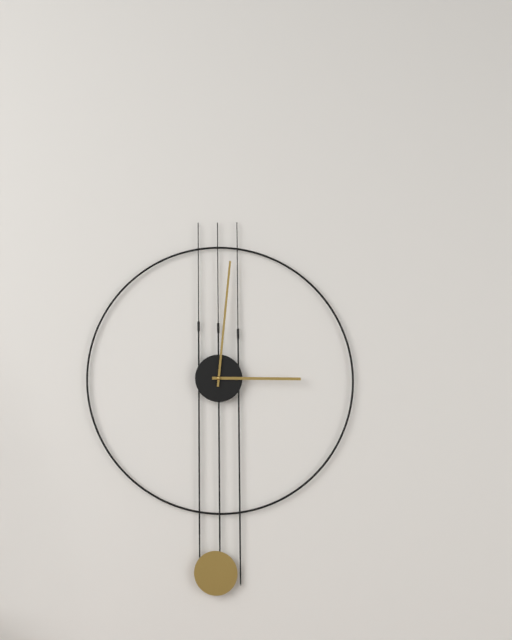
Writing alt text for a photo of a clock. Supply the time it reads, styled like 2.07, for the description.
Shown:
3.01
